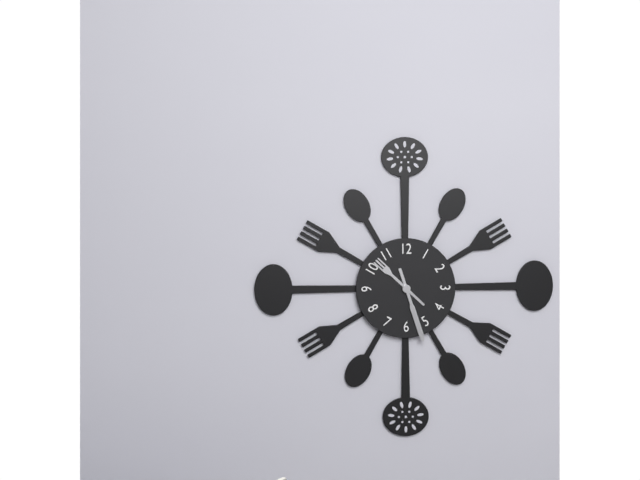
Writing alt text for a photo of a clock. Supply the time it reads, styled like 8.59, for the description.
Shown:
10.27
